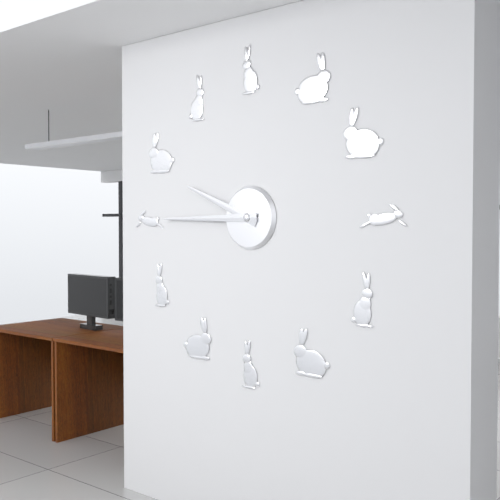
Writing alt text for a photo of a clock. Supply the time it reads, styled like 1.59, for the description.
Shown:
9.45
